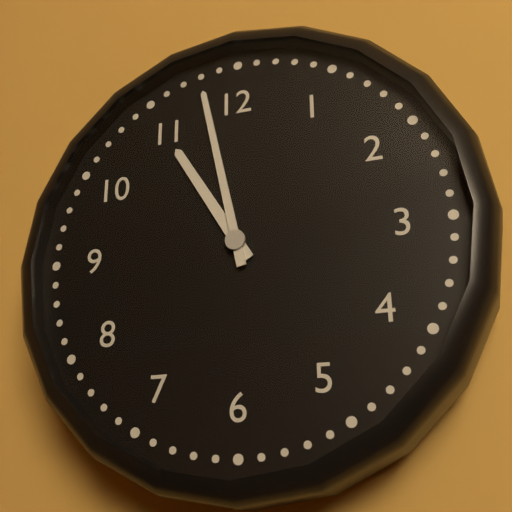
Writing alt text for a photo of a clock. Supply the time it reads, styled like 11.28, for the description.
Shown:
10.58
